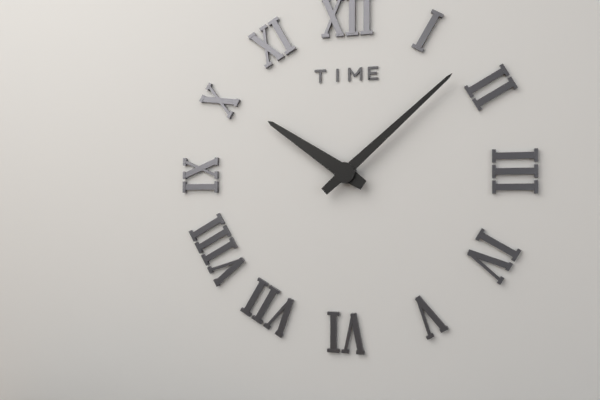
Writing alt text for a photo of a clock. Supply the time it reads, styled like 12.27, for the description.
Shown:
10.08
